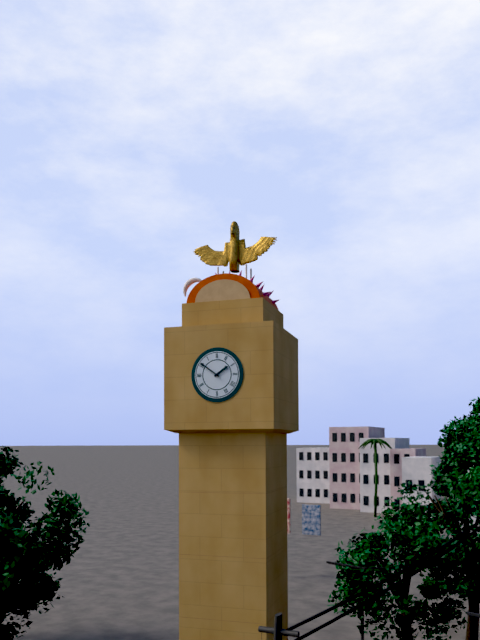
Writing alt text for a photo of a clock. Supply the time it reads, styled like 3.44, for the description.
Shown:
1.51
